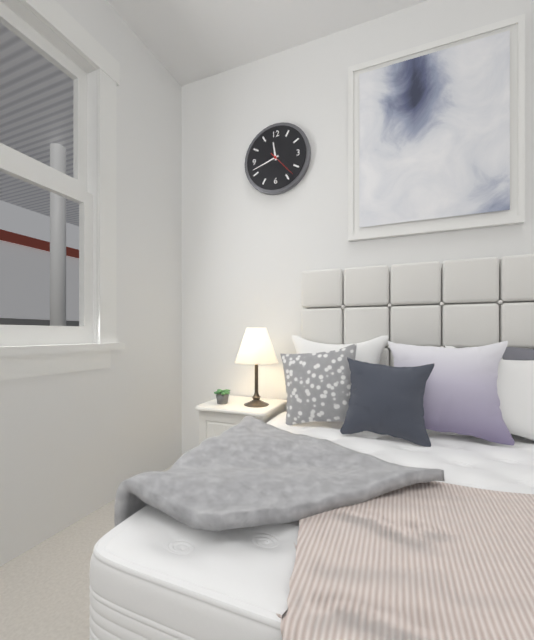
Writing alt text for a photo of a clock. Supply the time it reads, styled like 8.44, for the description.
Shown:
11.42
